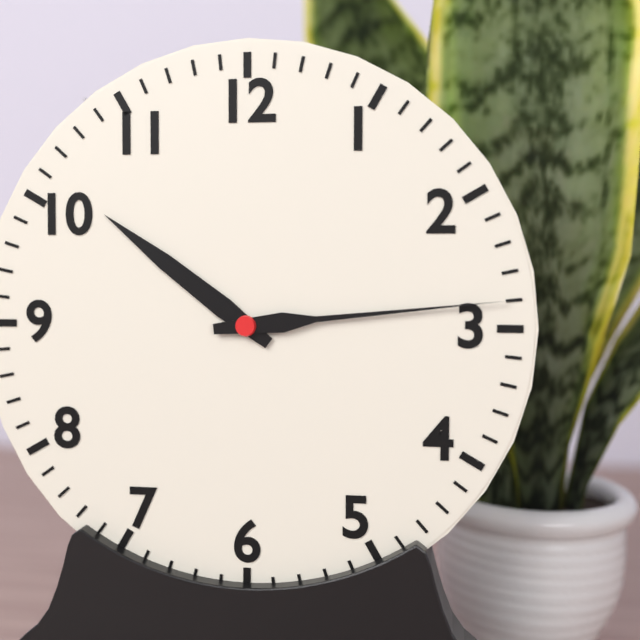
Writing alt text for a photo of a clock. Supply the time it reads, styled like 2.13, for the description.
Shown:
10.14
